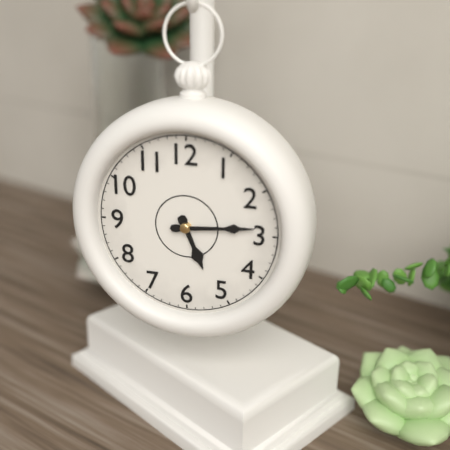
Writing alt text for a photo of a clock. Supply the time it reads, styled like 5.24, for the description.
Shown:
5.14
